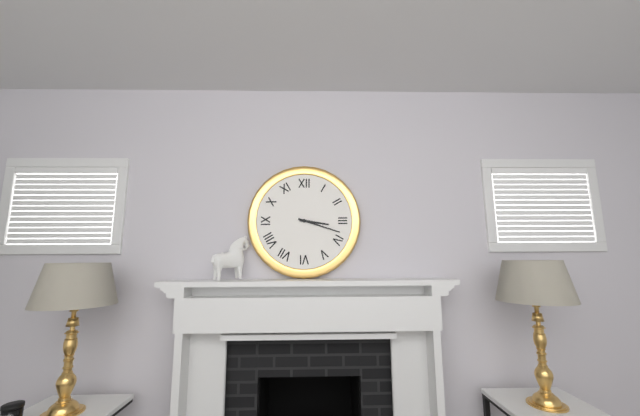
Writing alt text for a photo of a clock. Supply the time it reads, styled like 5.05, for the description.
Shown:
3.18
